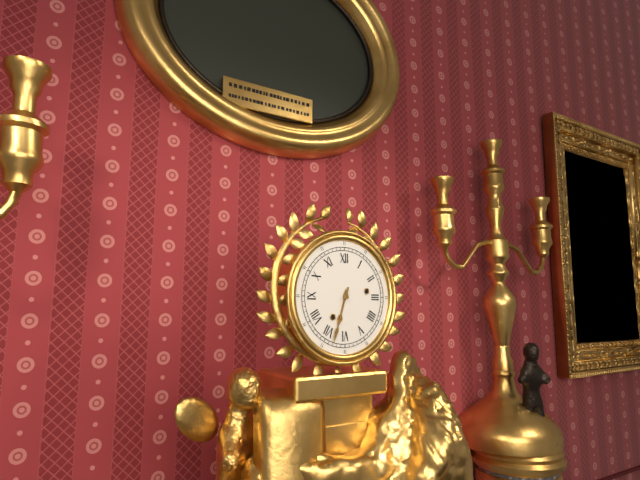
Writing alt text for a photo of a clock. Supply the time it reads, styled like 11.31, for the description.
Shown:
6.33
